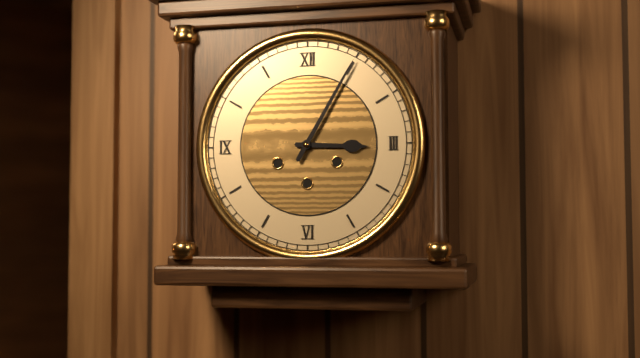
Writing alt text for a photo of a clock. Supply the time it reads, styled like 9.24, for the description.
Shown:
3.05
